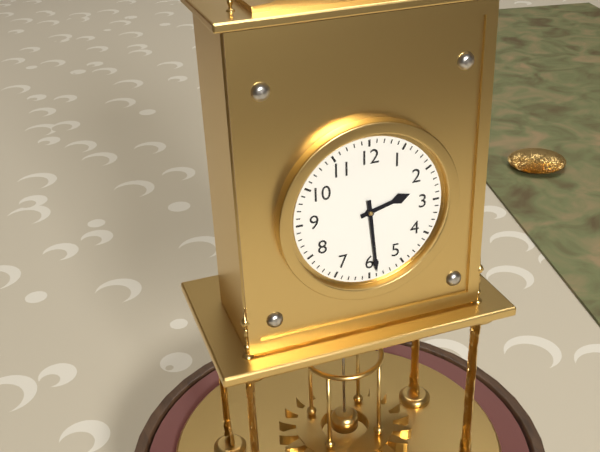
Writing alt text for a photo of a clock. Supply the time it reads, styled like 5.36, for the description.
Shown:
2.29
